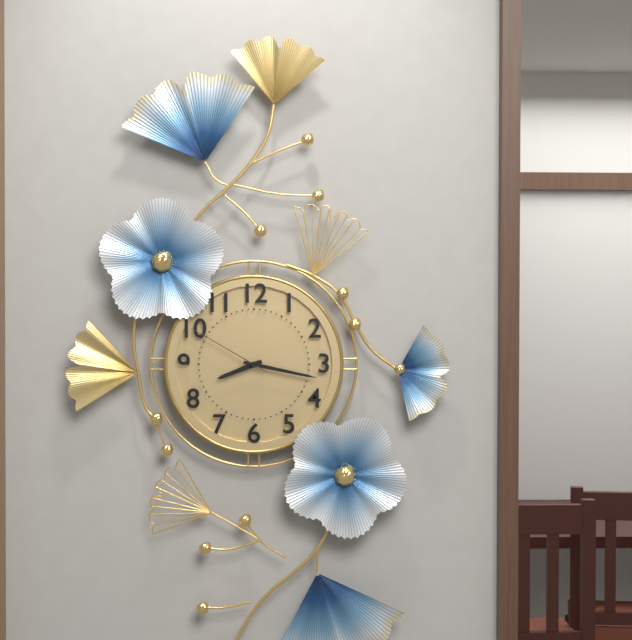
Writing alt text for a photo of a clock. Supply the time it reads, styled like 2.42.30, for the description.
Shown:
8.17.50
